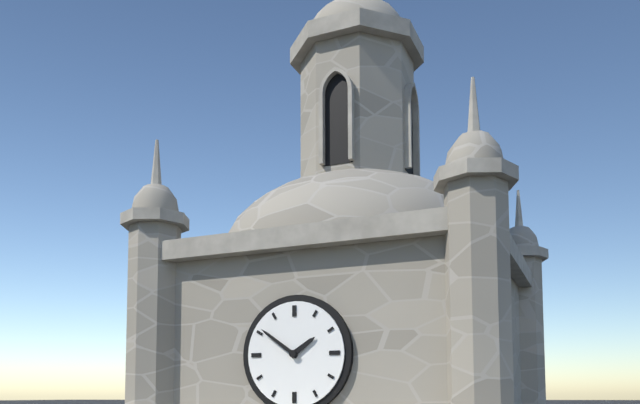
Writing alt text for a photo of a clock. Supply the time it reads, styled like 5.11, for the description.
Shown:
1.51
